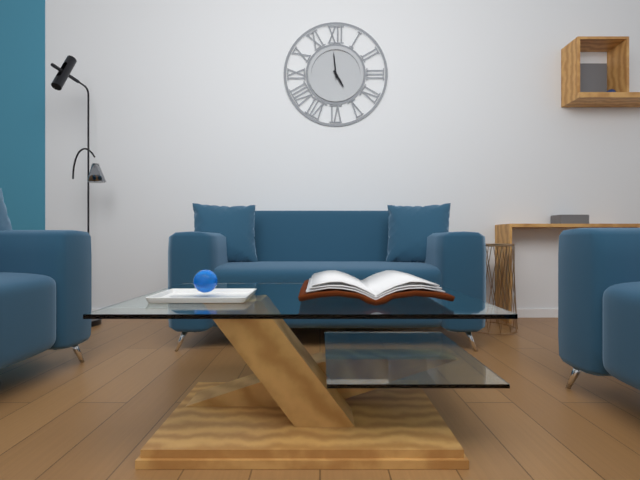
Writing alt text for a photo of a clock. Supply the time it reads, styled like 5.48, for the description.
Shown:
4.59
